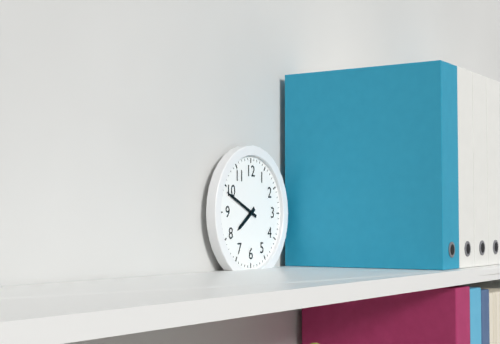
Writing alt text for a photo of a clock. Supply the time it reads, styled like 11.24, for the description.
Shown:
7.49
